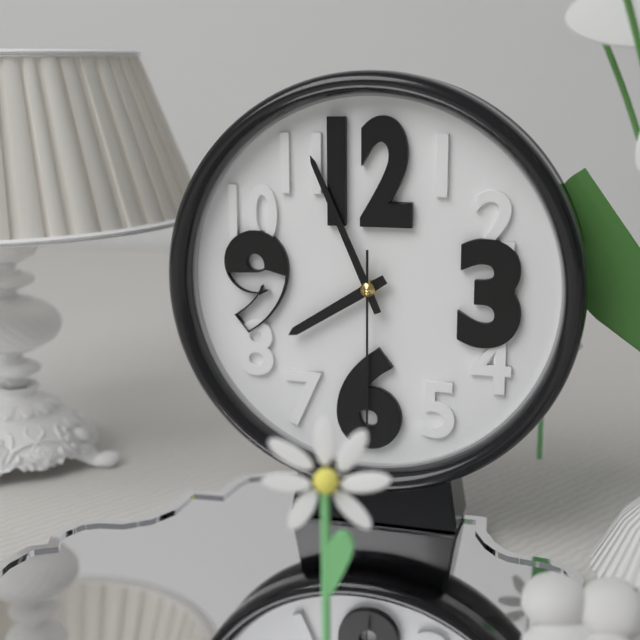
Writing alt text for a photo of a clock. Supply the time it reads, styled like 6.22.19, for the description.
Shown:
7.56.30
